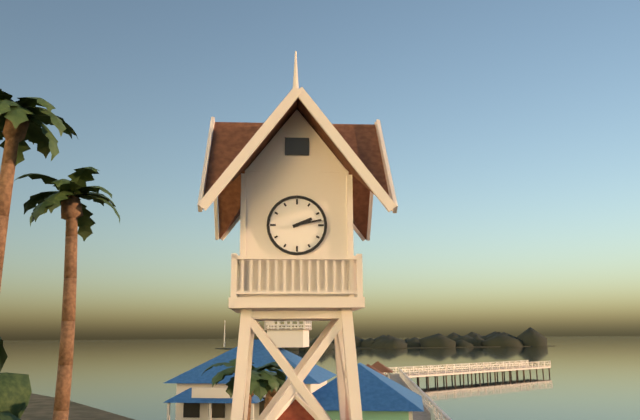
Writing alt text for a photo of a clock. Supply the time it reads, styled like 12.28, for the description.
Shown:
2.13
